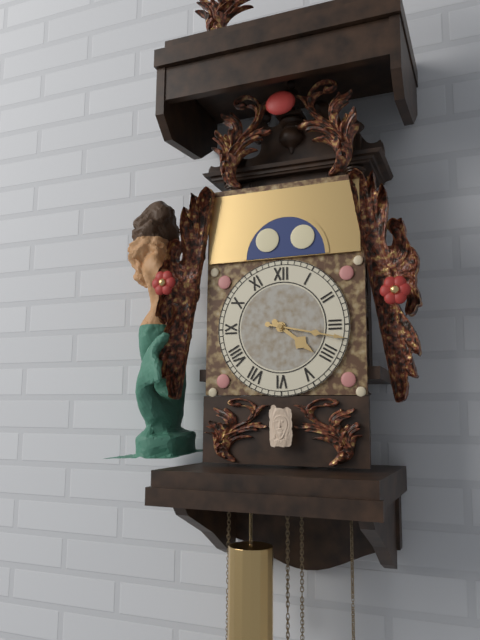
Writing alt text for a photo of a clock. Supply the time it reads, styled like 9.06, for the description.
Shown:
4.17
